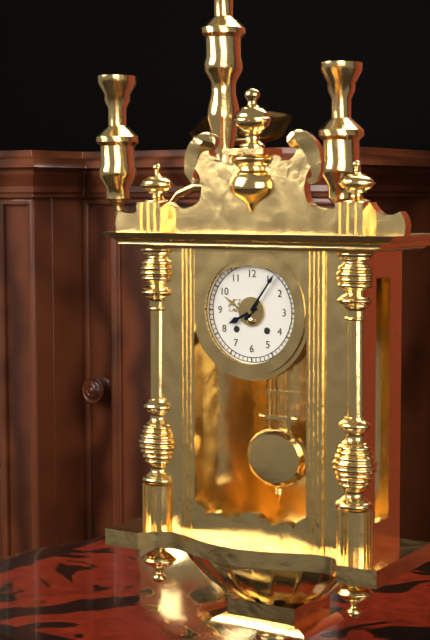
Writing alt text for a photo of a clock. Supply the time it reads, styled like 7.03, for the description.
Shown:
8.06
